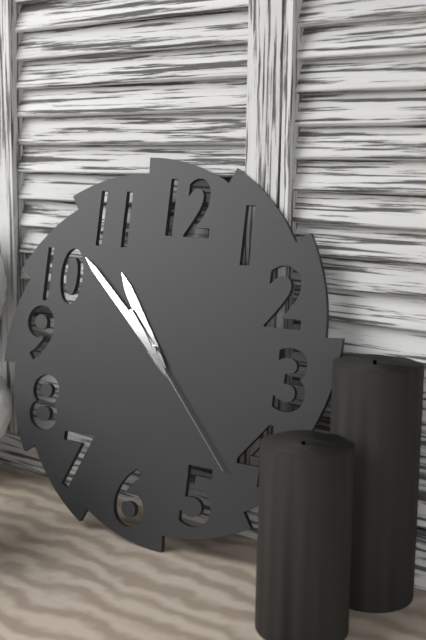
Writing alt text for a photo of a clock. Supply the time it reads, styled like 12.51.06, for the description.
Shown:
10.52.23
